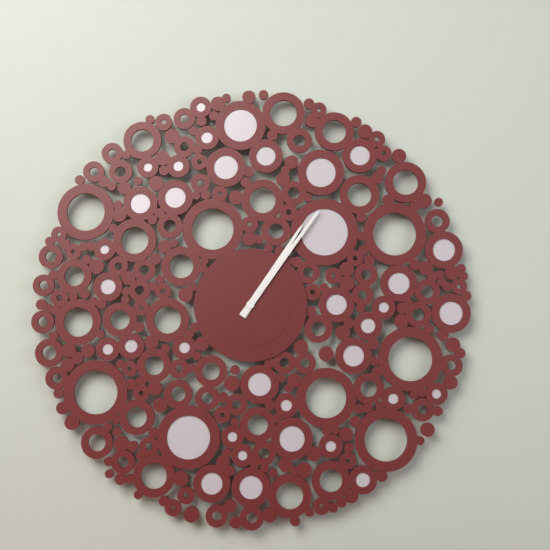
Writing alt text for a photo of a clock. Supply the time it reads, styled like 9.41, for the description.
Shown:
1.06
